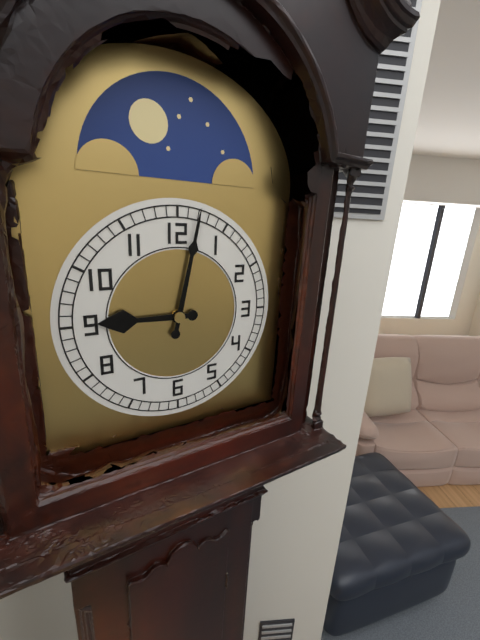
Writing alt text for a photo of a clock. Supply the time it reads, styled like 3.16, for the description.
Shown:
9.02
